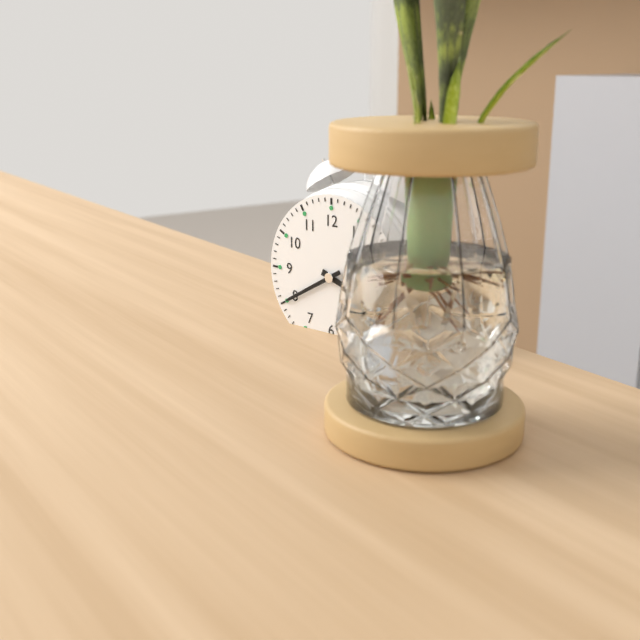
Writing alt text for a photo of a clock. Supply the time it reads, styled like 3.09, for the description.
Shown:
3.40
